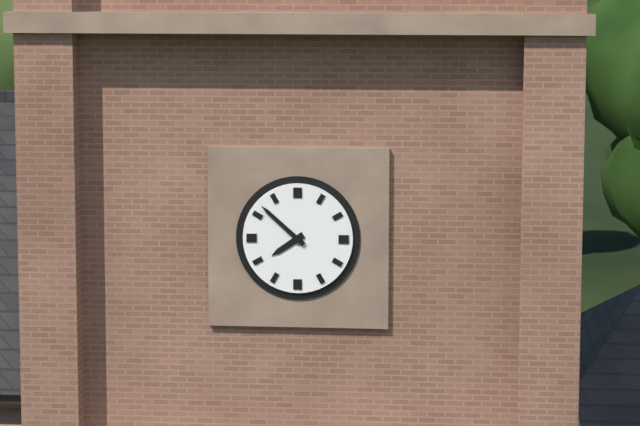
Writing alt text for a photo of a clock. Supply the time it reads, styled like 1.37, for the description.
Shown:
7.52
